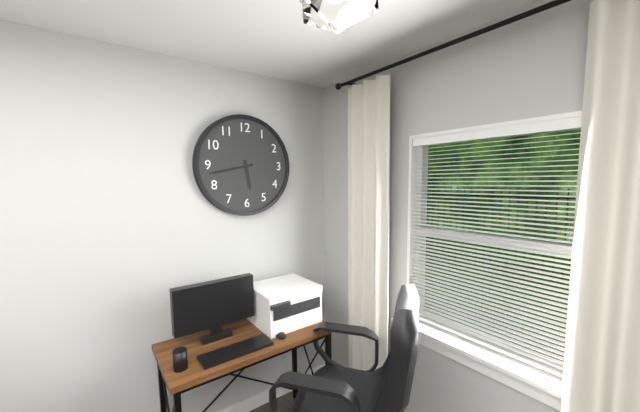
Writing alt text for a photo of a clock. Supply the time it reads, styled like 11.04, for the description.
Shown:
5.43
